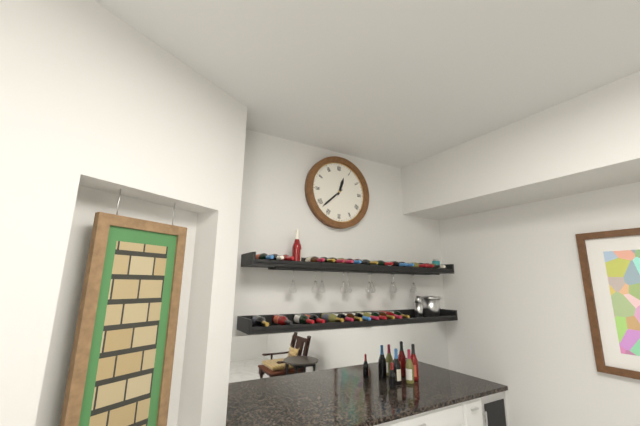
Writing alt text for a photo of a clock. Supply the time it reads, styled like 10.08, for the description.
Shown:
12.38
